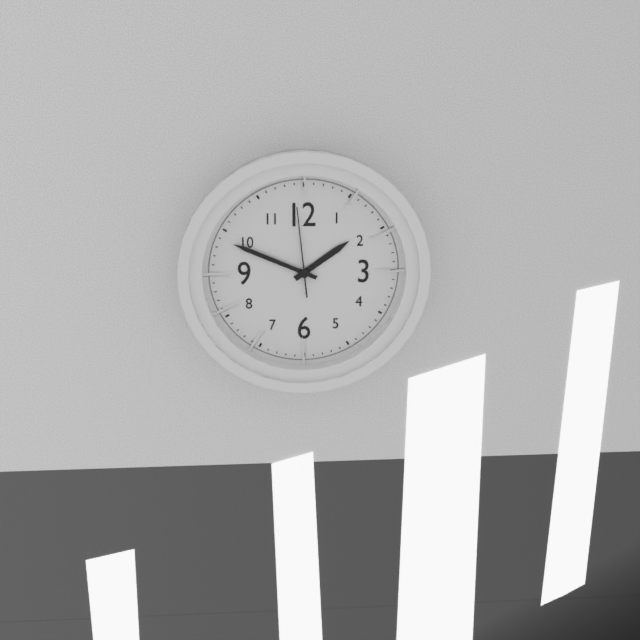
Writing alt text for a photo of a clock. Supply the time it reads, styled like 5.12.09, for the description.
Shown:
1.49.59
